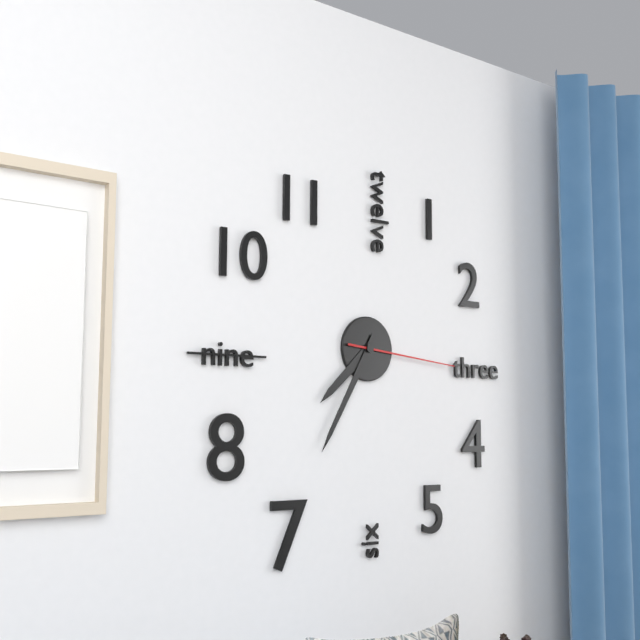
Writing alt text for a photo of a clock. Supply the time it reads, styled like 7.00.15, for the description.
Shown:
7.35.16
